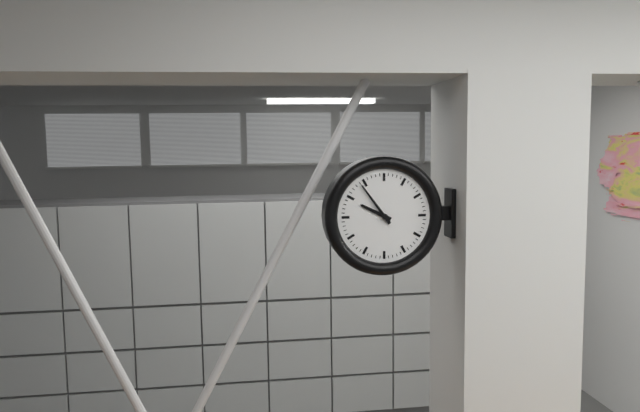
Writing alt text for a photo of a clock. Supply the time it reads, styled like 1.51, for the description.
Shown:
9.54
